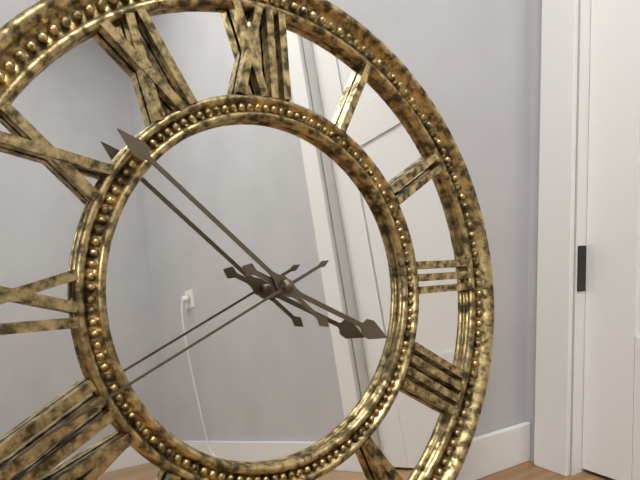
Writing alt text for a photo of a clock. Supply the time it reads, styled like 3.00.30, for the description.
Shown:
3.52.41
